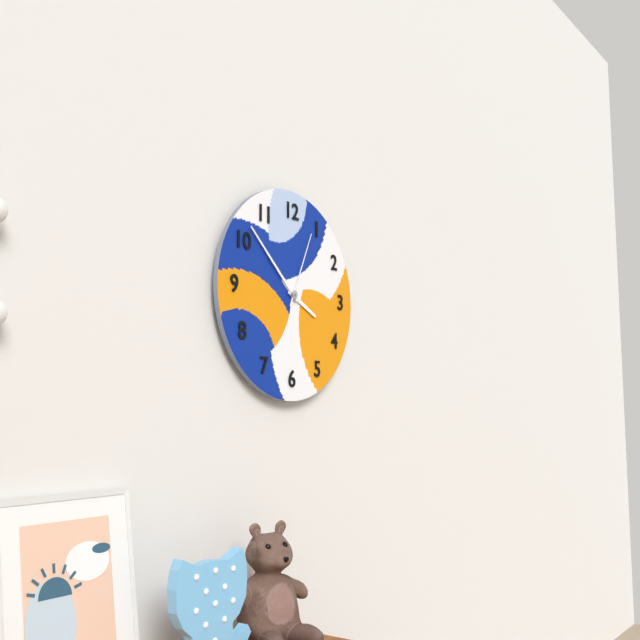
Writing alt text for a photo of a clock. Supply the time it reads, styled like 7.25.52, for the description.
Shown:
3.52.04
